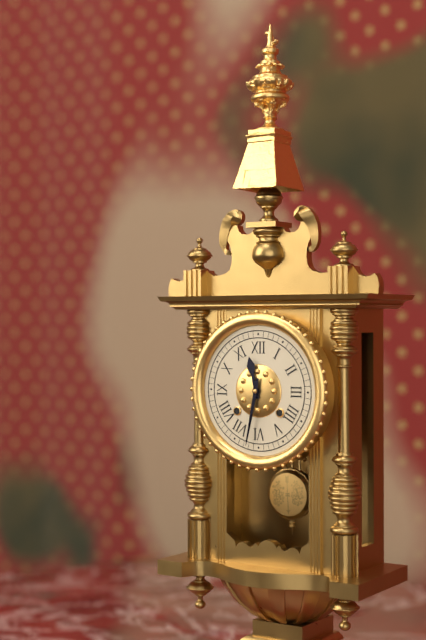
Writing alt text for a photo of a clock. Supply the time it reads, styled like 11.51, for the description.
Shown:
11.32
